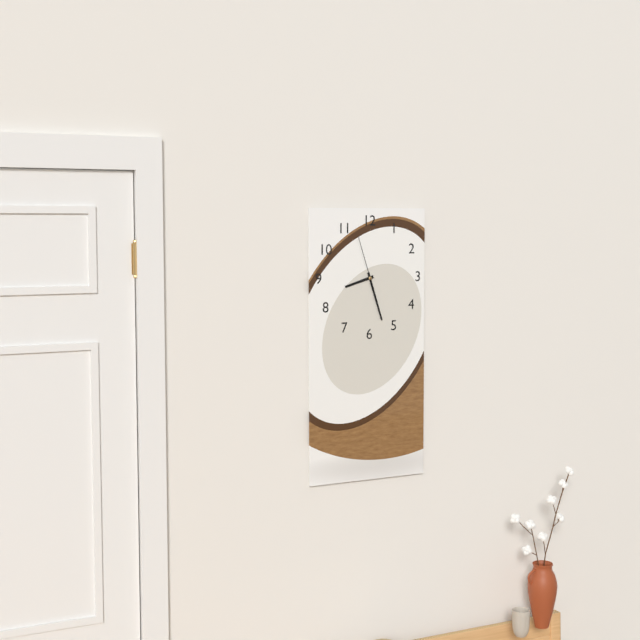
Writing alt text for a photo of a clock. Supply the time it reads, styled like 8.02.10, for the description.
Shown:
8.27.57
